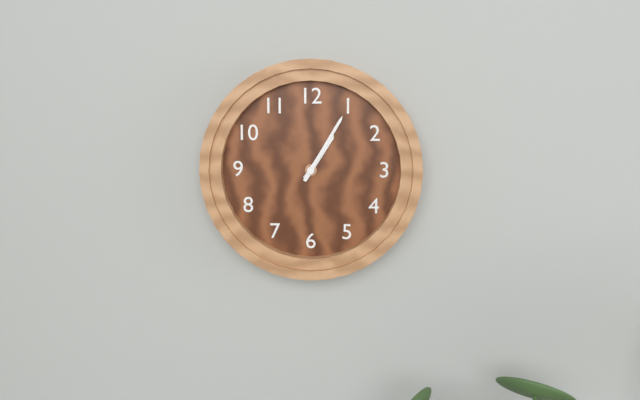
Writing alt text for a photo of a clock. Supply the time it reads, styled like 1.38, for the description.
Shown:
1.05
